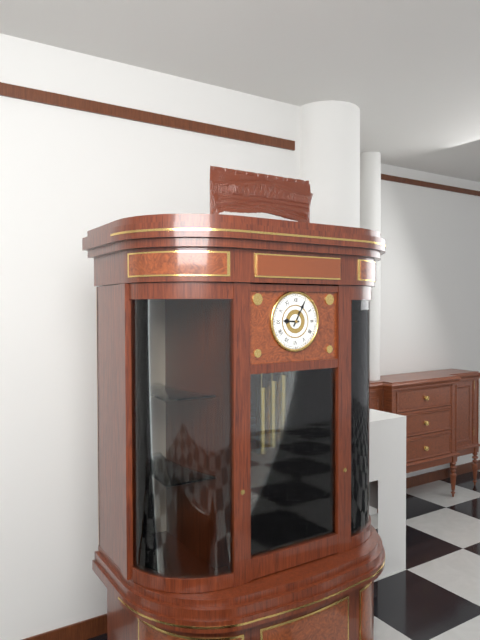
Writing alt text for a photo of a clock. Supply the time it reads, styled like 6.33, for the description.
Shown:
9.05
